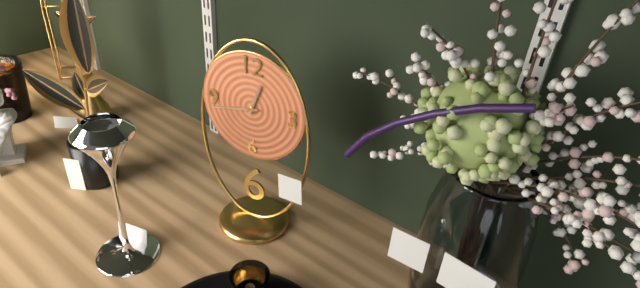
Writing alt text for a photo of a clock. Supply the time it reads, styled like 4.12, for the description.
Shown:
12.43
